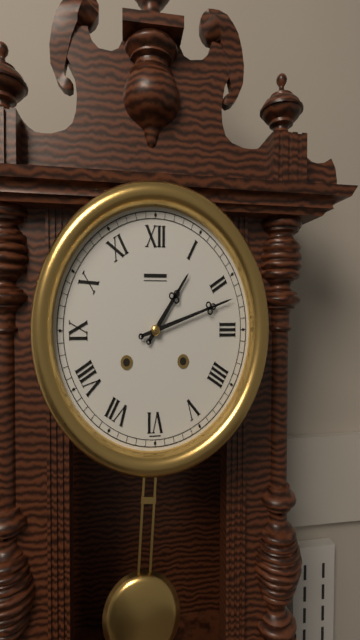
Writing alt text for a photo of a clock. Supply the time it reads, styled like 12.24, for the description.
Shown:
1.12
